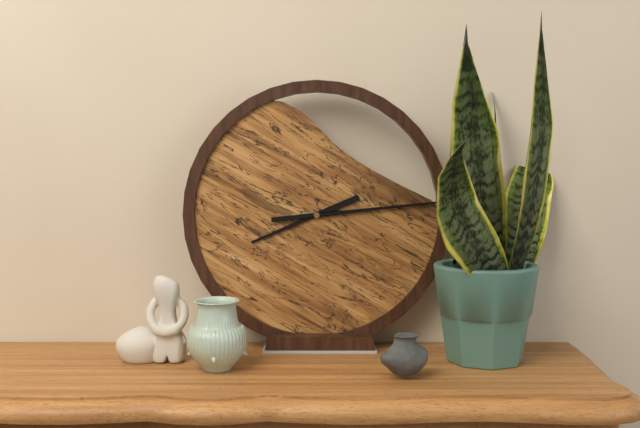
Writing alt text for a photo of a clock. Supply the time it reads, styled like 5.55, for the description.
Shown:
8.14
